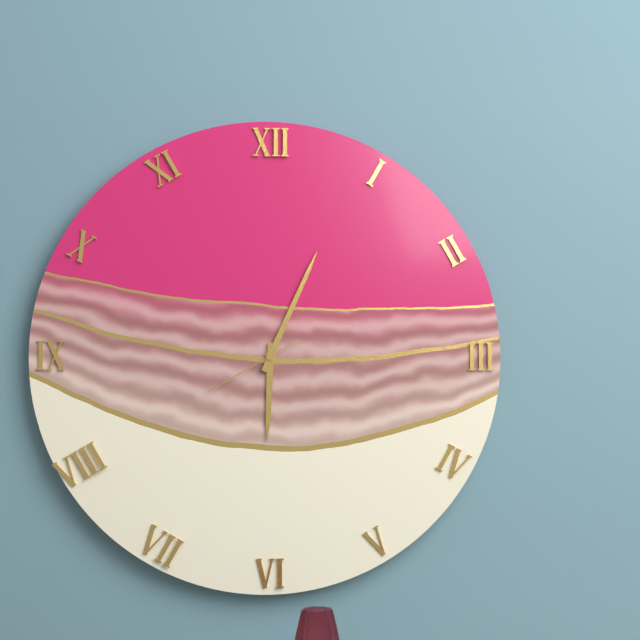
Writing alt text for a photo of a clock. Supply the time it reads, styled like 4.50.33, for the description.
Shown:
6.04.40
